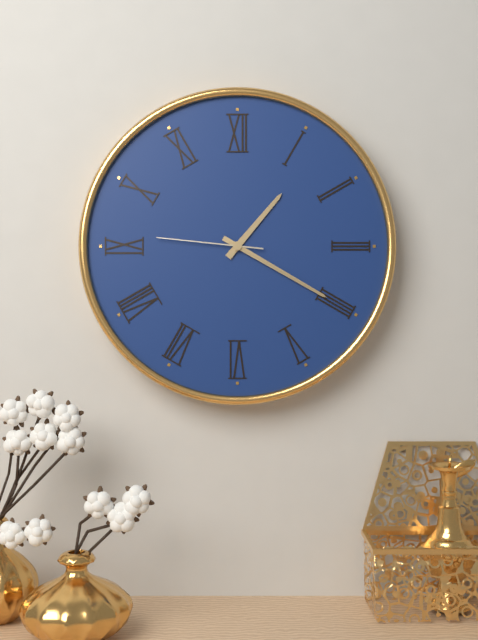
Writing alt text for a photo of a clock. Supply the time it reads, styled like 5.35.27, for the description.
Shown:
1.20.46
